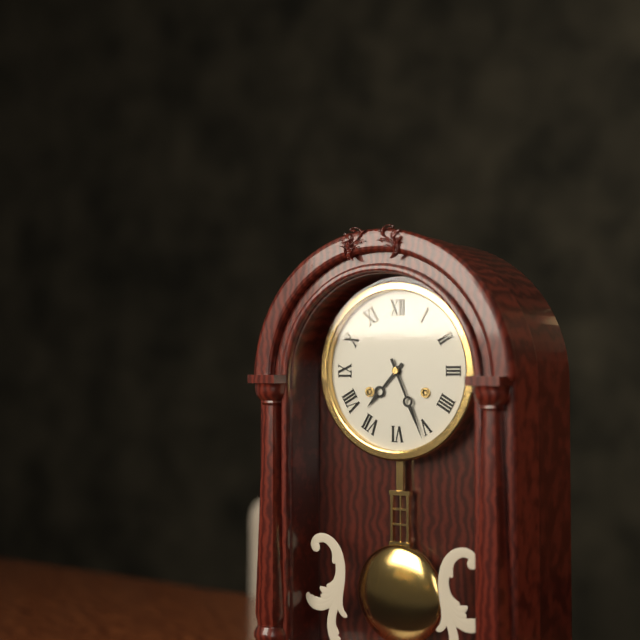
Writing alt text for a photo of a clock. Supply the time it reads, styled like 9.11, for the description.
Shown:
7.26
